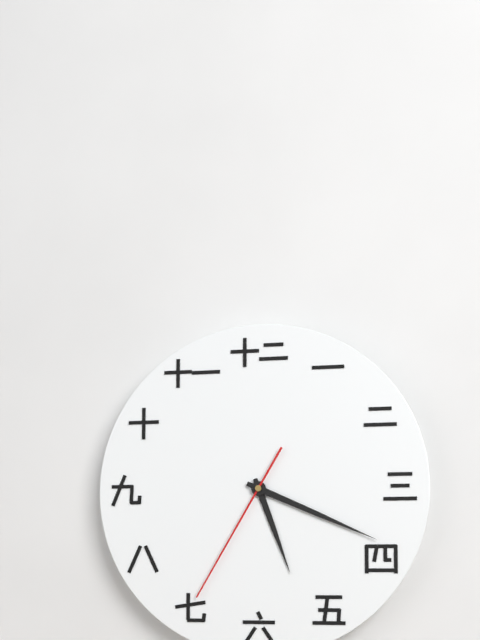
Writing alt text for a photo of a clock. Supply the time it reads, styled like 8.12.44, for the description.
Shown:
5.19.35
